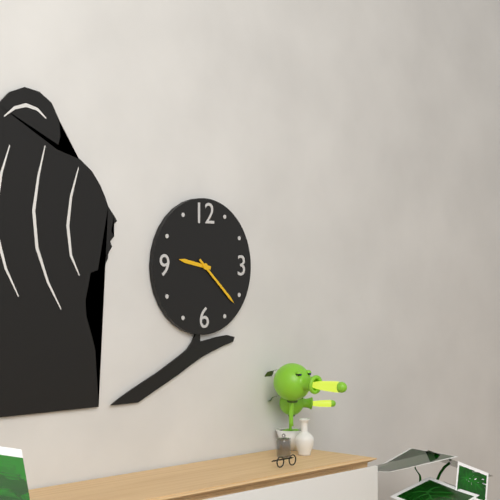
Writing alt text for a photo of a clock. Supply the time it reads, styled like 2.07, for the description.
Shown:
9.22
